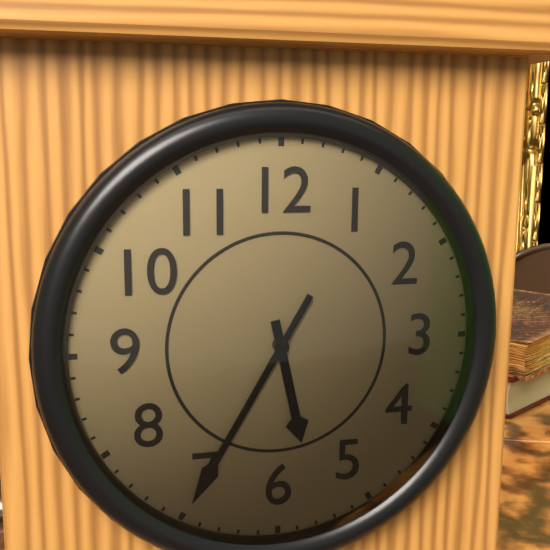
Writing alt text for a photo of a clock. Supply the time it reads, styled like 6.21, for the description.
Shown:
5.35
